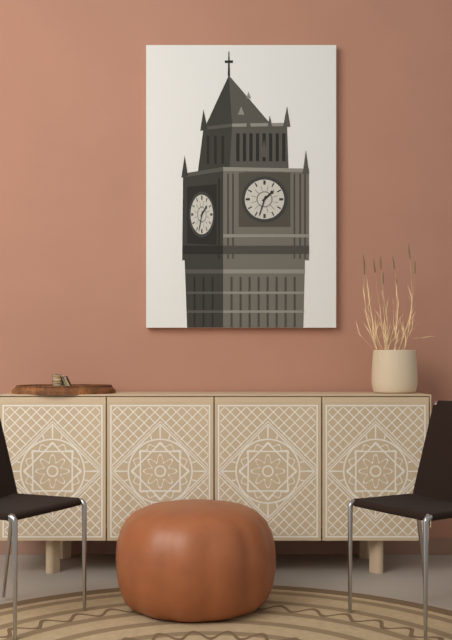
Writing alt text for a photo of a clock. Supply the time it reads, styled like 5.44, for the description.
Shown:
1.33
